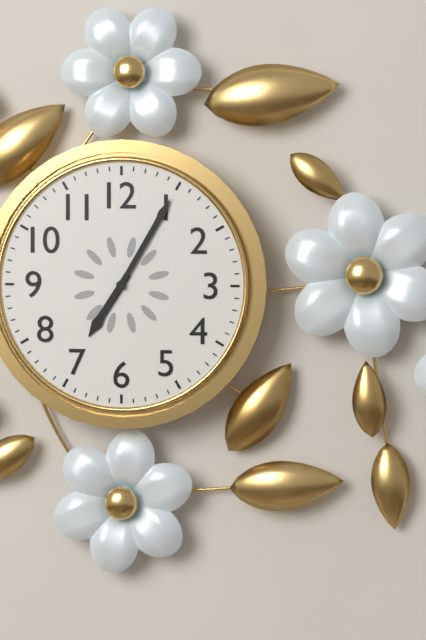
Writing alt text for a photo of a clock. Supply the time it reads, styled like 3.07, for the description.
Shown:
7.05
